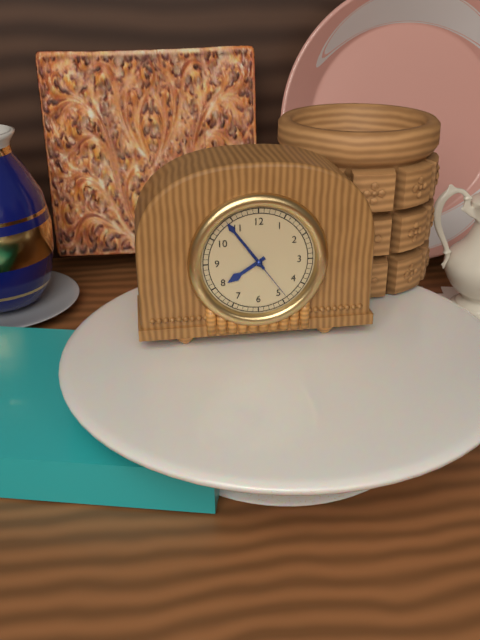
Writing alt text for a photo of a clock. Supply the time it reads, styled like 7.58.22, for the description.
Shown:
7.54.24
